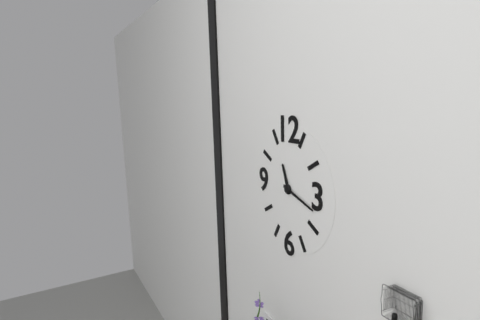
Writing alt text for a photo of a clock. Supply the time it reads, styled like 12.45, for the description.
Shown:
11.18
